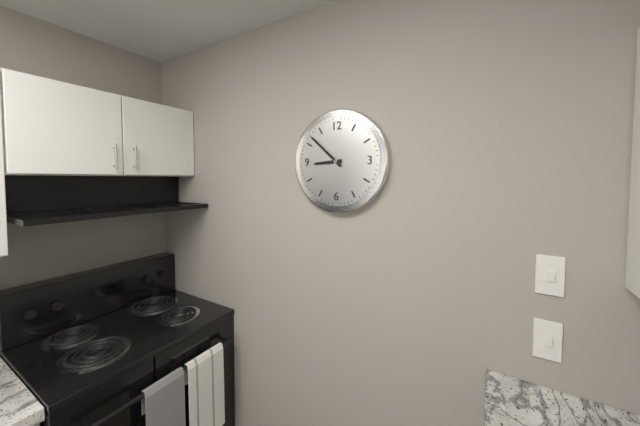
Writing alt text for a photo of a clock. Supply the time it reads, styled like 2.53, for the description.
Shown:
8.52
